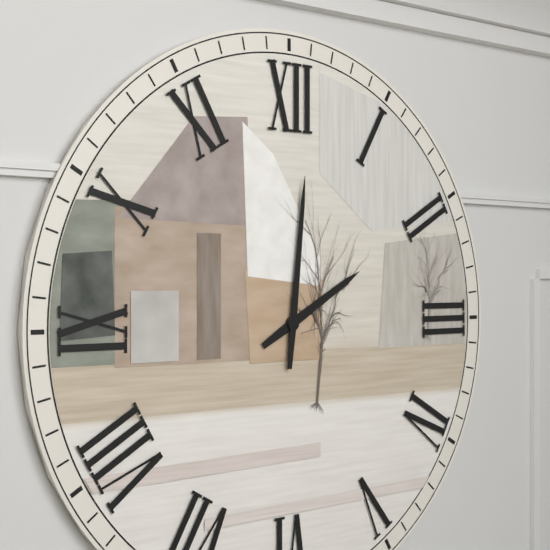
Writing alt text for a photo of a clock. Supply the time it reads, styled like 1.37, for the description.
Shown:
2.01
